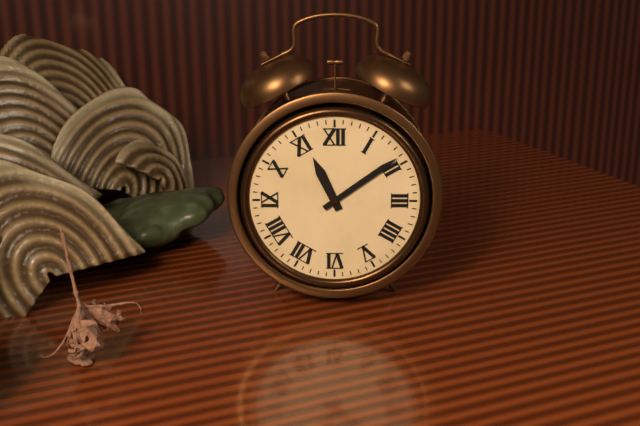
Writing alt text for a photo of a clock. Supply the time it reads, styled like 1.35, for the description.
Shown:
11.09
